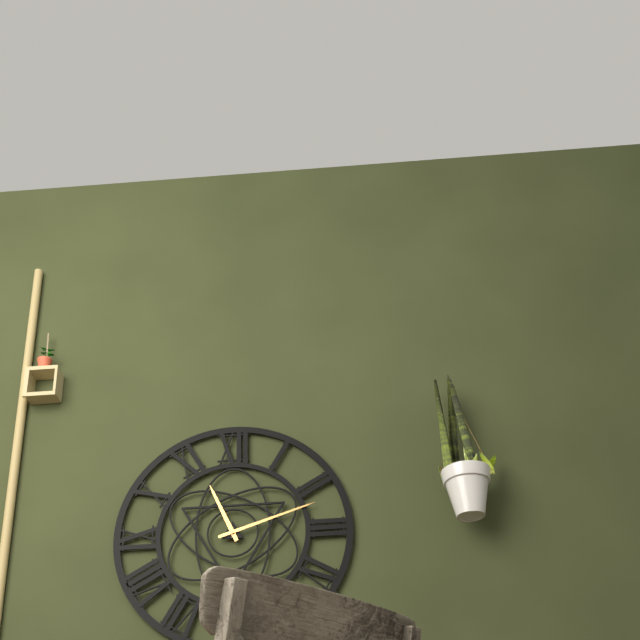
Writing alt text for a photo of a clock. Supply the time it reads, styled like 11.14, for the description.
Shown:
11.12
